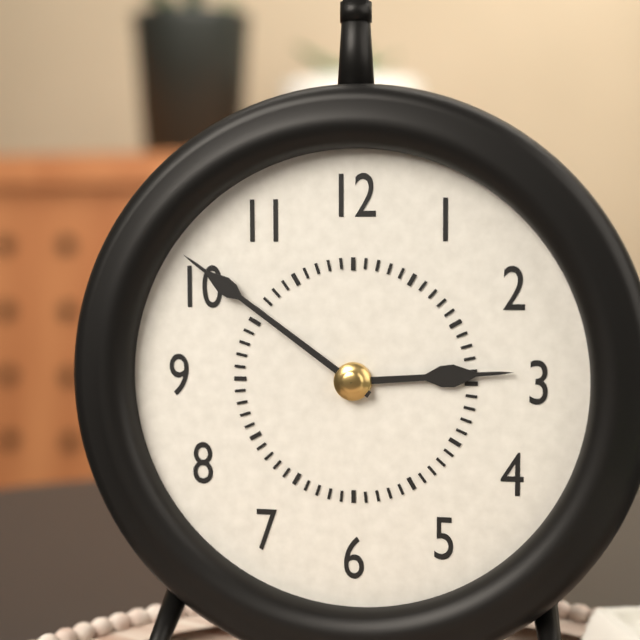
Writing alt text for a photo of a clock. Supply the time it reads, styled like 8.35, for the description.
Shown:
2.51
